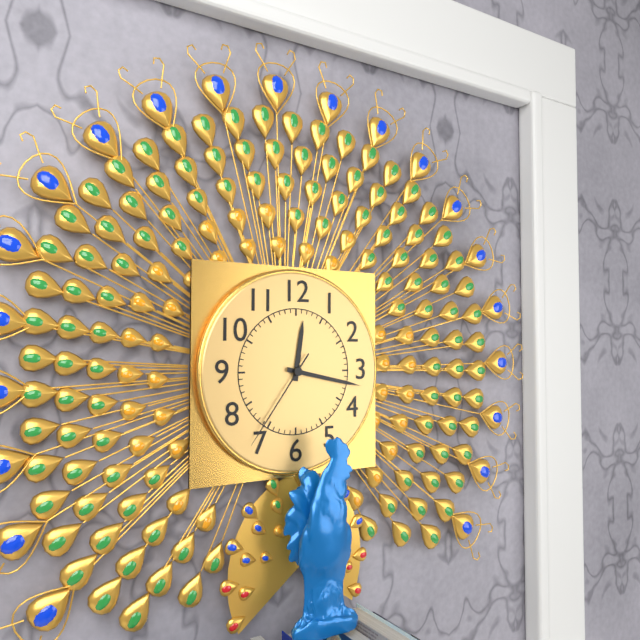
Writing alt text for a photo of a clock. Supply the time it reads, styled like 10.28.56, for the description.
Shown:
12.17.36
